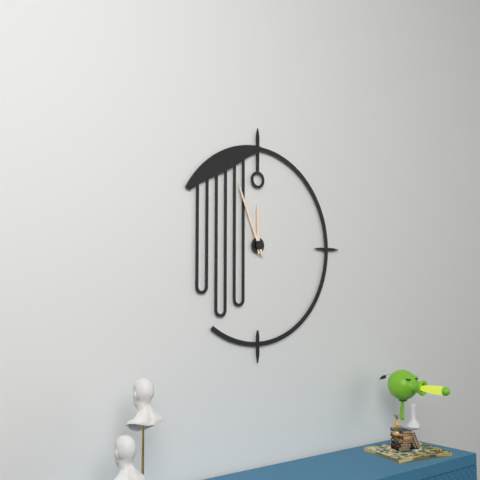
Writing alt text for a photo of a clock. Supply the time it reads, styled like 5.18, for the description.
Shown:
11.56
